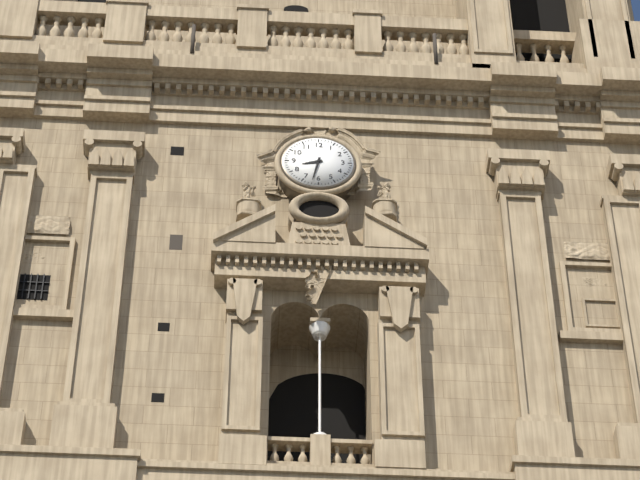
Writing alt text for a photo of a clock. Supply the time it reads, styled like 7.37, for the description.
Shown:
8.32
